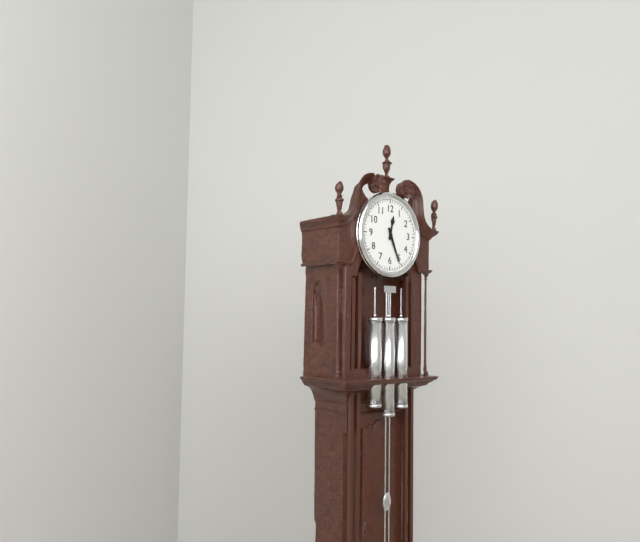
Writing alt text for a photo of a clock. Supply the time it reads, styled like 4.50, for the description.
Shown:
12.26
